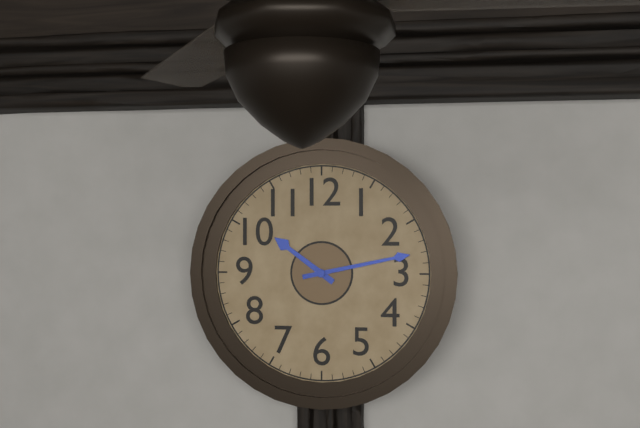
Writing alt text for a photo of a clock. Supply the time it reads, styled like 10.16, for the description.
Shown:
10.13
